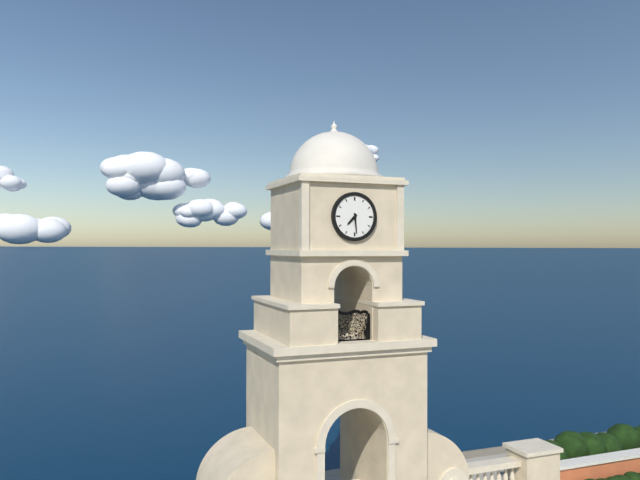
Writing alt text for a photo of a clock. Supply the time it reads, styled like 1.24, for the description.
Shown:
7.29
